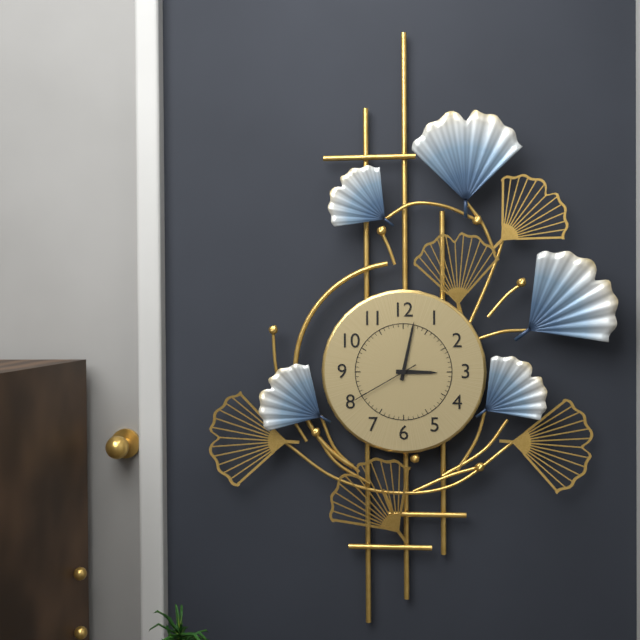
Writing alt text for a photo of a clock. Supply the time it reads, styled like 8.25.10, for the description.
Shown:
3.02.40
